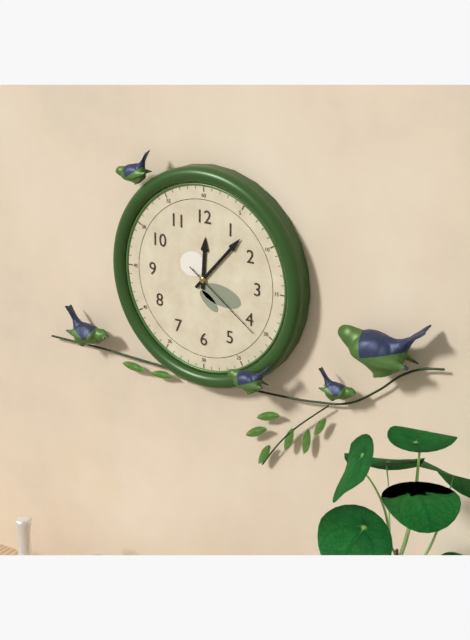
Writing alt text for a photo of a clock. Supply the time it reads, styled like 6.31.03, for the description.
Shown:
12.07.21
